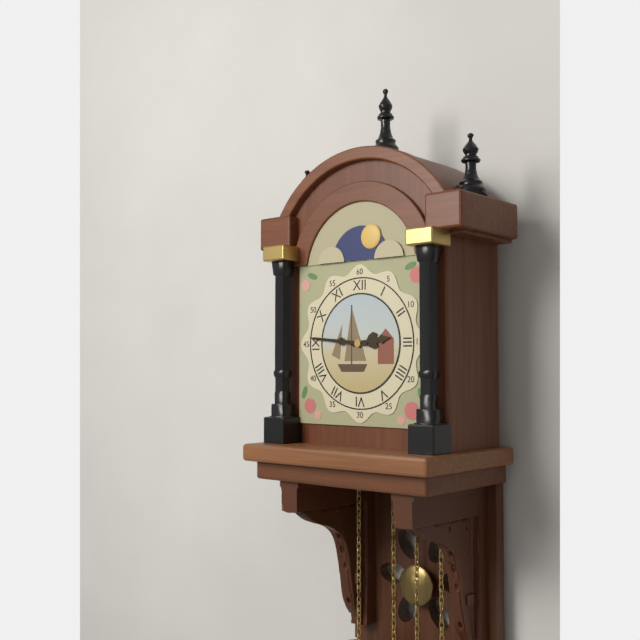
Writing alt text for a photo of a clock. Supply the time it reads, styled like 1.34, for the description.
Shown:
2.46
